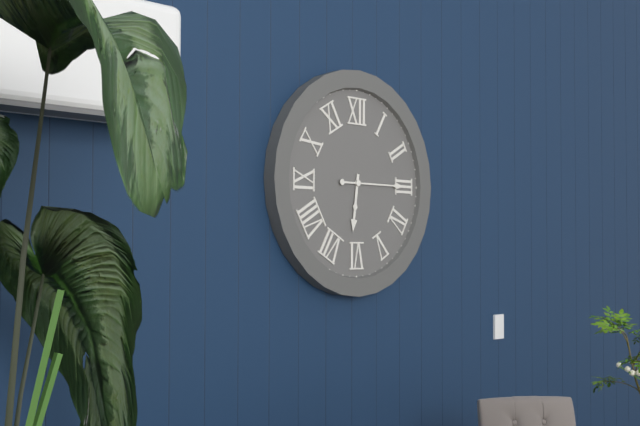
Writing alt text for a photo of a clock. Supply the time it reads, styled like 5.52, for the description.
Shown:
6.15
